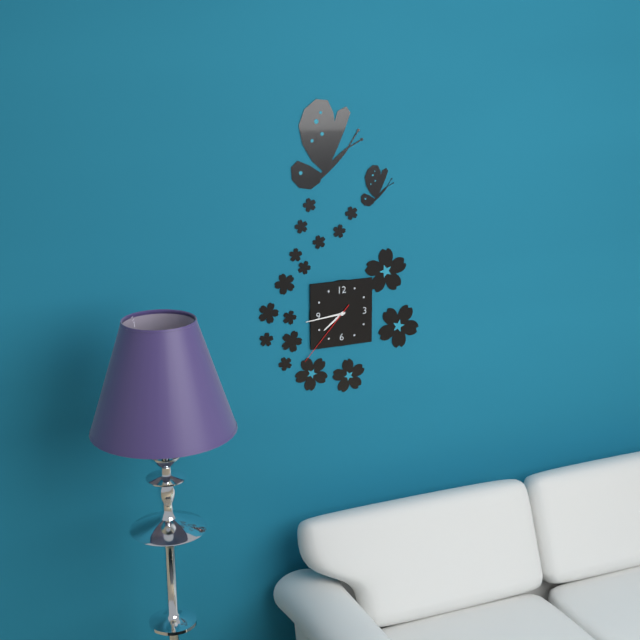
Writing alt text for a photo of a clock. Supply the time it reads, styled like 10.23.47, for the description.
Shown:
7.44.37
